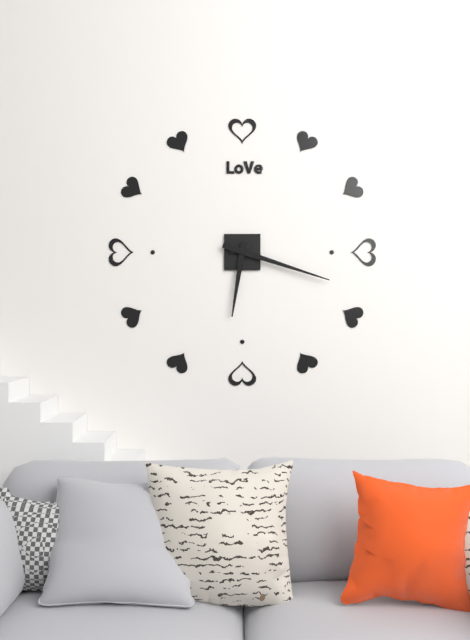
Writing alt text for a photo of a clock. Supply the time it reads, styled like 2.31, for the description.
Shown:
6.18
